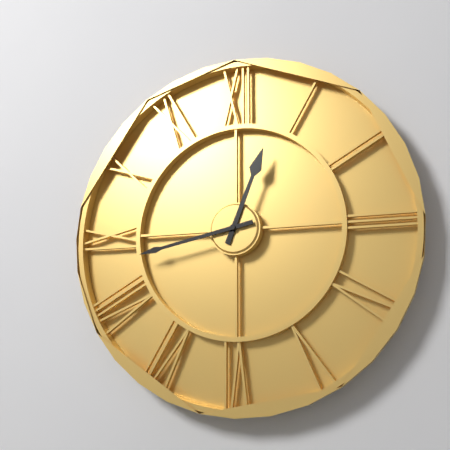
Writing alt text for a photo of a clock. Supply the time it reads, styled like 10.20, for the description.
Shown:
12.43
